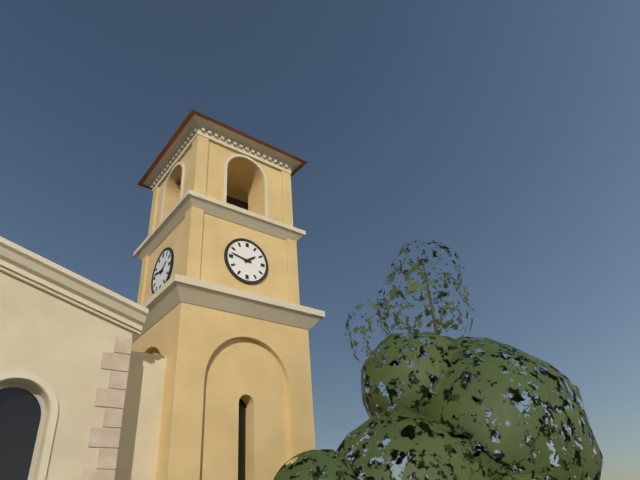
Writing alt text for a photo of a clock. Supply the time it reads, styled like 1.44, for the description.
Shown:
1.47
